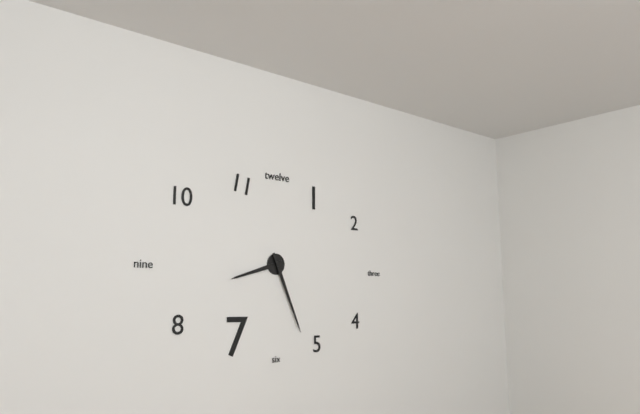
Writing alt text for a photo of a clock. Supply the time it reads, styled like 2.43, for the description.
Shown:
8.26
